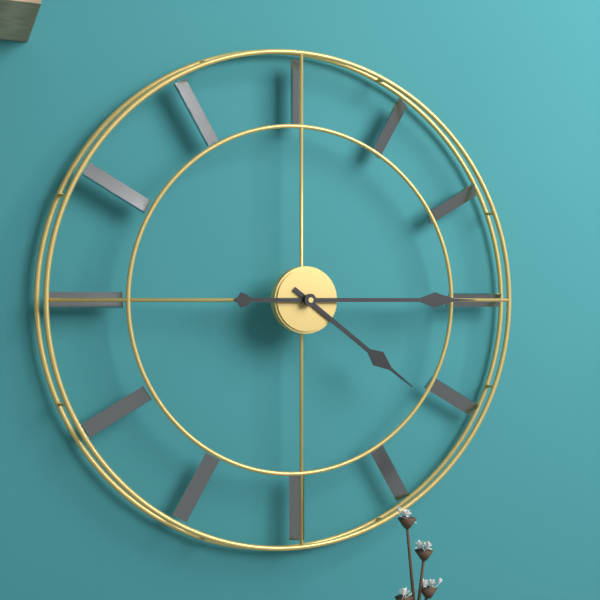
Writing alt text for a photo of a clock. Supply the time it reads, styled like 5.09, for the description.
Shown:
4.15
